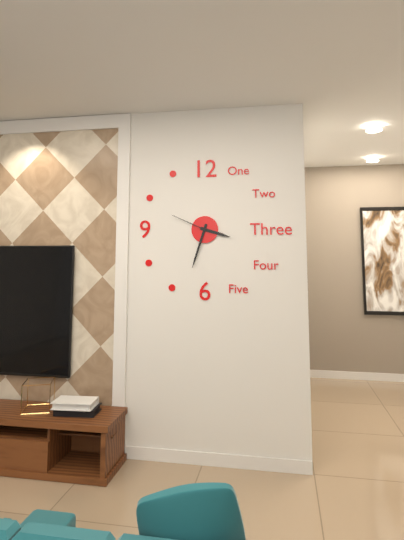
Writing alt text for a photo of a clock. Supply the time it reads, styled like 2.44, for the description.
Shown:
3.33
